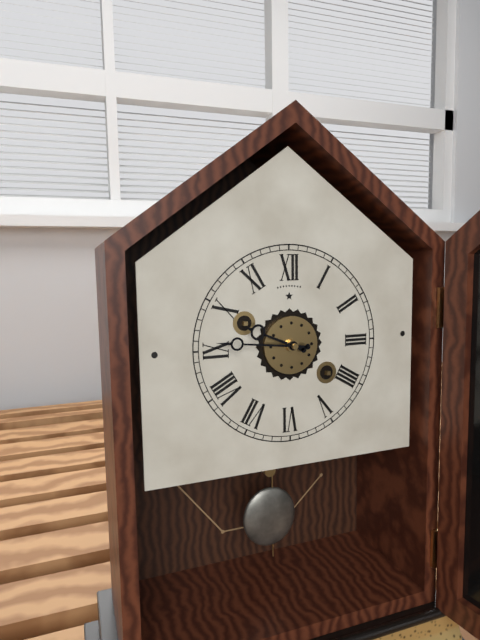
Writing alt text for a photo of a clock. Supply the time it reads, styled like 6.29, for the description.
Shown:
9.46
